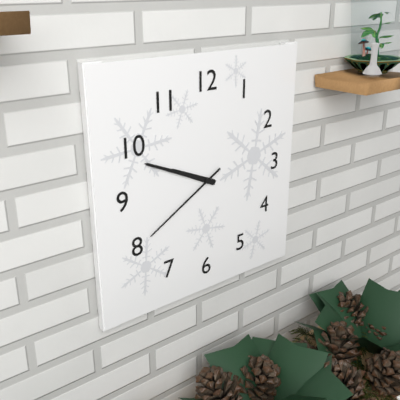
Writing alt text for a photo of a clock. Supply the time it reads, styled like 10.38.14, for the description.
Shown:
9.49.40
